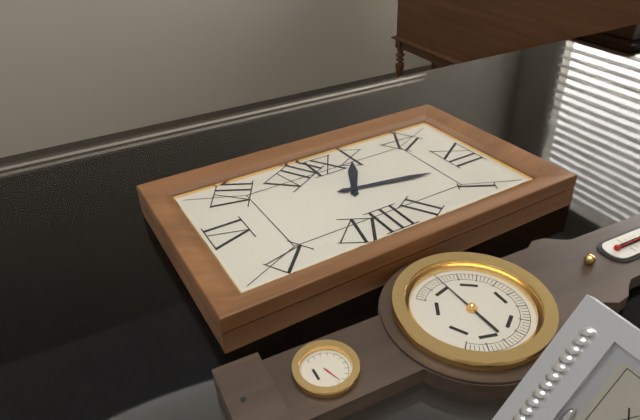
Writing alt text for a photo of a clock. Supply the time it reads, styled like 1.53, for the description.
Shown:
10.02
